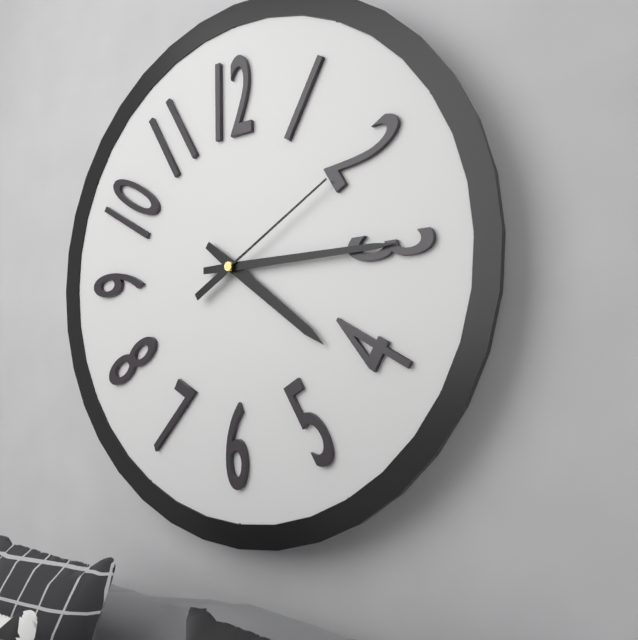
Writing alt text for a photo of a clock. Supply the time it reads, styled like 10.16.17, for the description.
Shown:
4.15.10
